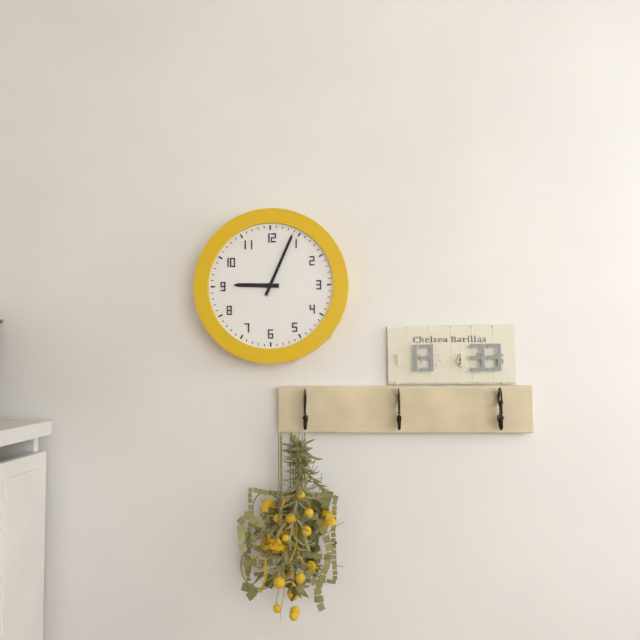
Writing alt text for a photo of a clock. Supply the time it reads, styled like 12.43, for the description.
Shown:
9.04
